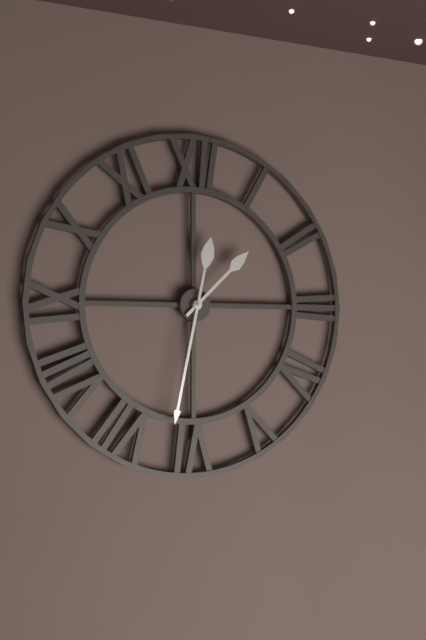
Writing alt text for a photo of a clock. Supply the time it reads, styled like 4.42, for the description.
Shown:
1.32
